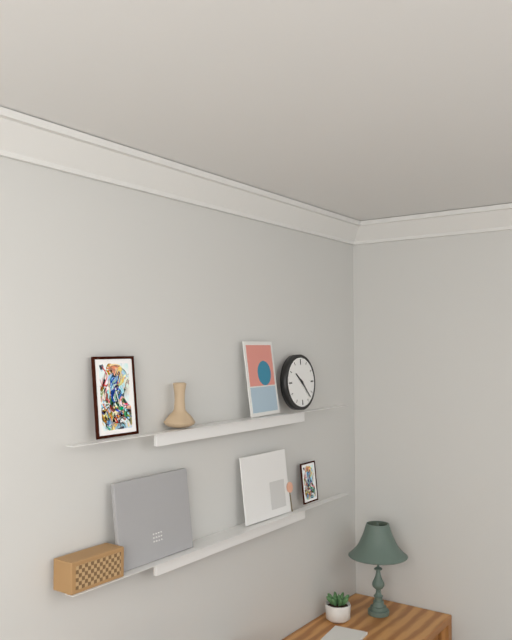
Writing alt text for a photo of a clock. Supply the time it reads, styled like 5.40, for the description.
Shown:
10.23
